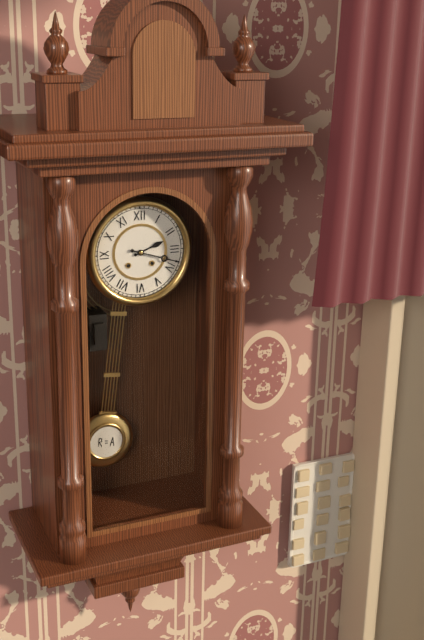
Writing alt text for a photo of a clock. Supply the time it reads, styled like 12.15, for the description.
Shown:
2.18
